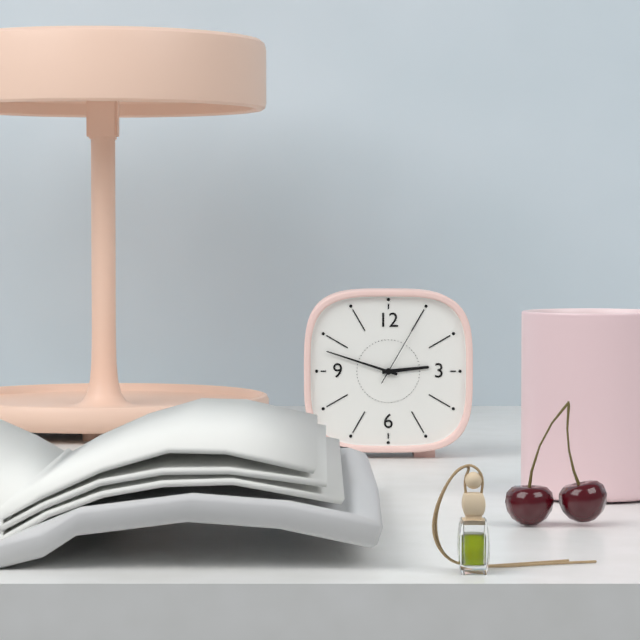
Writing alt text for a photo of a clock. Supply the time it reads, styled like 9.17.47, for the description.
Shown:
2.48.05
